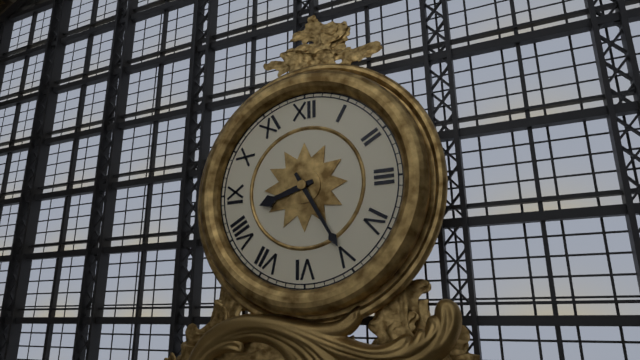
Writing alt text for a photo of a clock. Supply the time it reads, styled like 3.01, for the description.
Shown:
8.25
